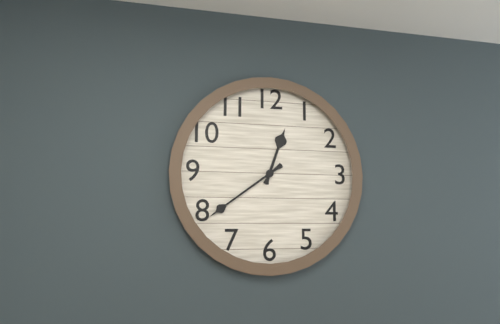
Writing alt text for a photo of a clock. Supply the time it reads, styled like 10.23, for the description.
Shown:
12.39
